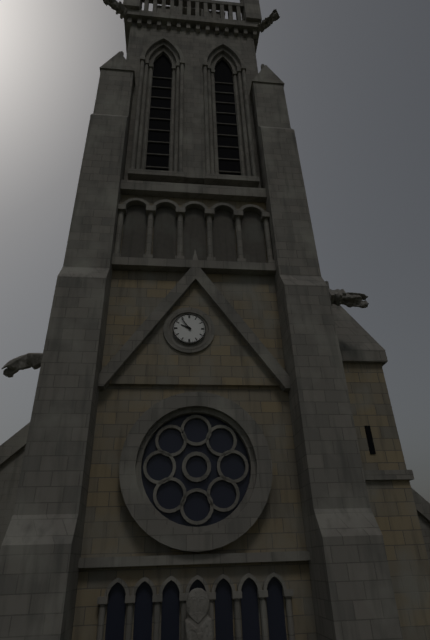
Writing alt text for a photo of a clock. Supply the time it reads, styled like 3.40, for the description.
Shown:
9.54
